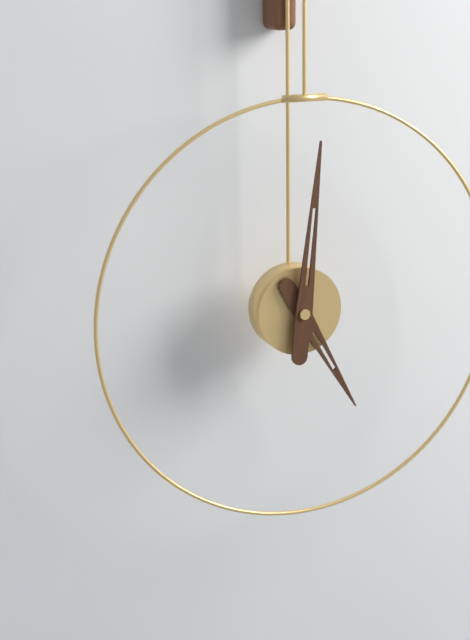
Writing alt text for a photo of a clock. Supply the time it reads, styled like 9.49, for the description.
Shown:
5.01
